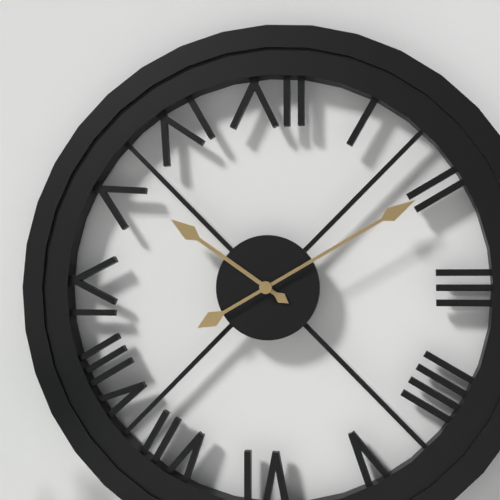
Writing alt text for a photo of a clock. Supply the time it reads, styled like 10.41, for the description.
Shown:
10.10
